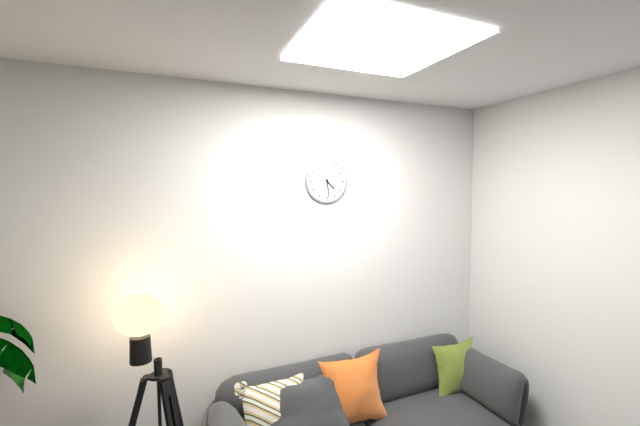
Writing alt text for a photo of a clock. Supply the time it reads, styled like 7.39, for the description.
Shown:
4.29
